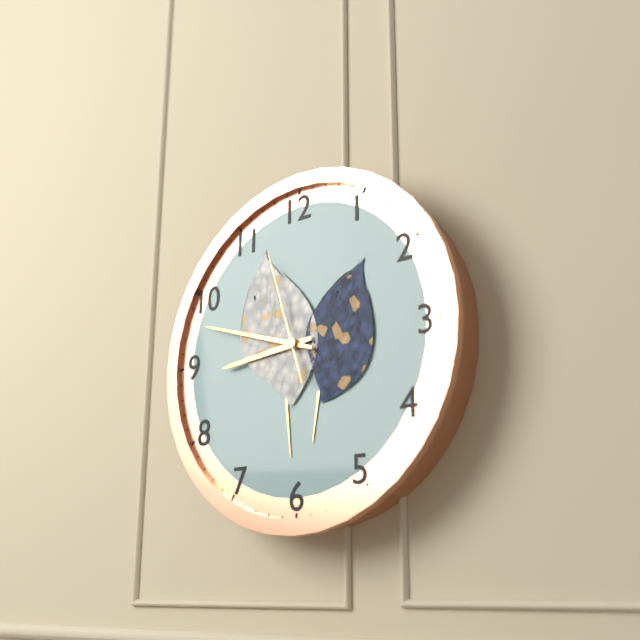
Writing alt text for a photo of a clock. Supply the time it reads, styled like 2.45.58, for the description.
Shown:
8.48.57
